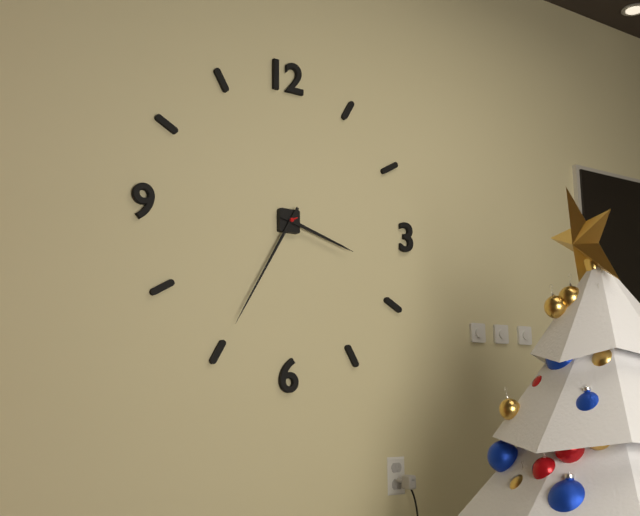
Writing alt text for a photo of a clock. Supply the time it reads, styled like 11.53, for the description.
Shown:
3.35
